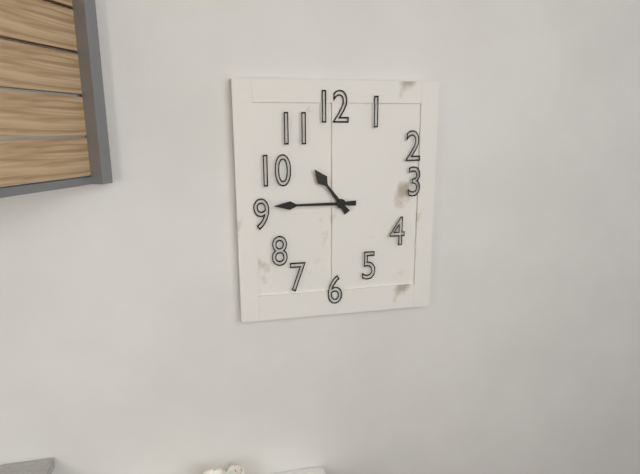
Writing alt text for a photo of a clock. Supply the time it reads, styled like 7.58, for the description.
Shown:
10.45
